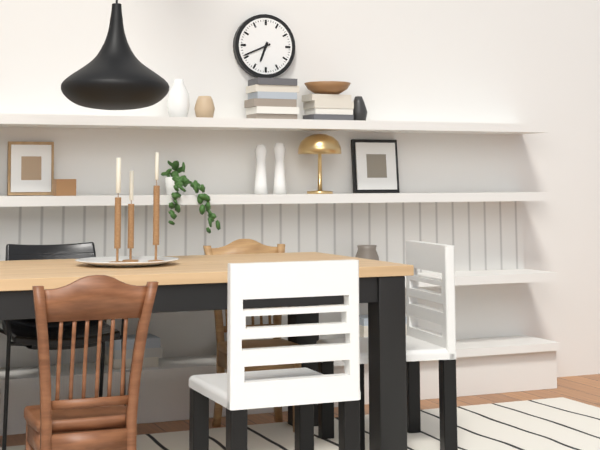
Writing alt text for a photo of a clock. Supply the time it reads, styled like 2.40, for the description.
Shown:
6.41
